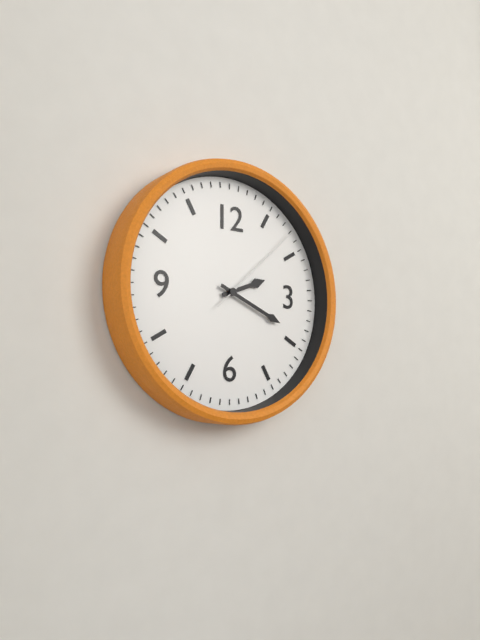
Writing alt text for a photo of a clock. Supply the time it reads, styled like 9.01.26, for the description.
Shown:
2.19.08
